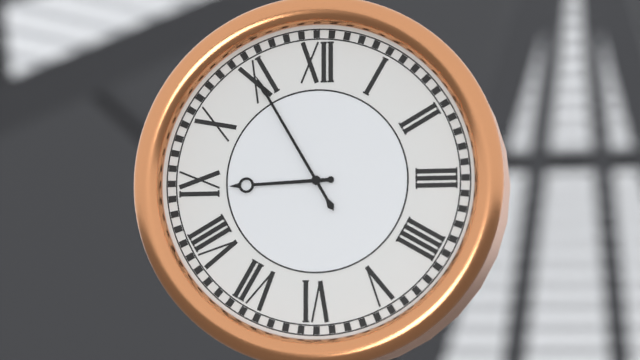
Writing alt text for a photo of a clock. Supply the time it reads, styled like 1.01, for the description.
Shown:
8.55
